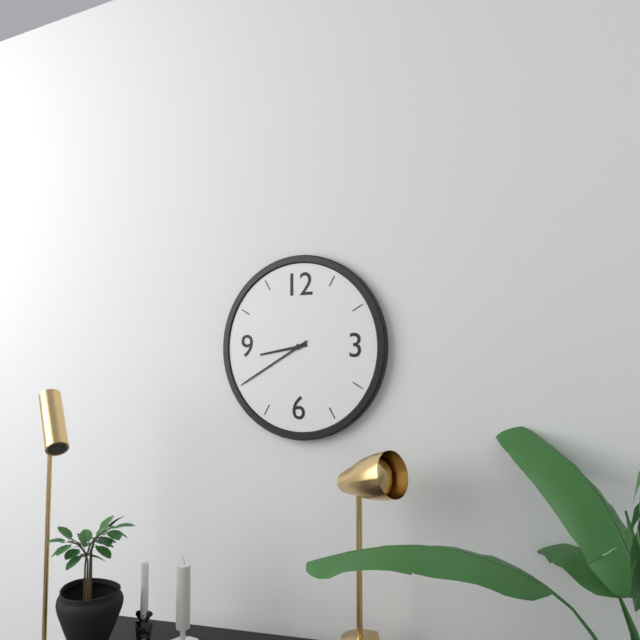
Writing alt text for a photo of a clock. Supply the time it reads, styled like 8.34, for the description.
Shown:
8.40
